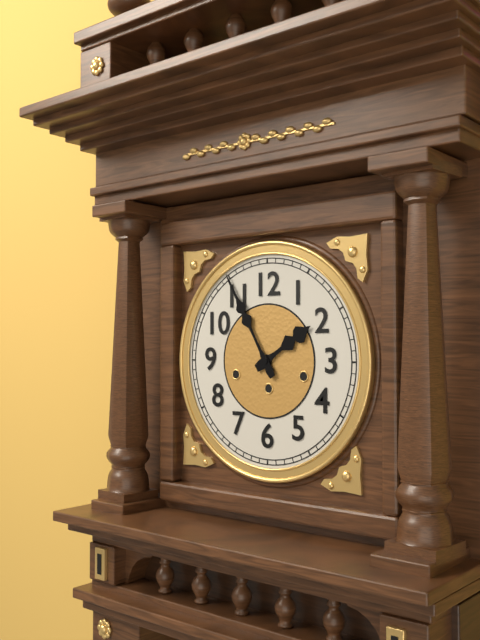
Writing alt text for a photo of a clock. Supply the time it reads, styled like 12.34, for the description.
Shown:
1.55
